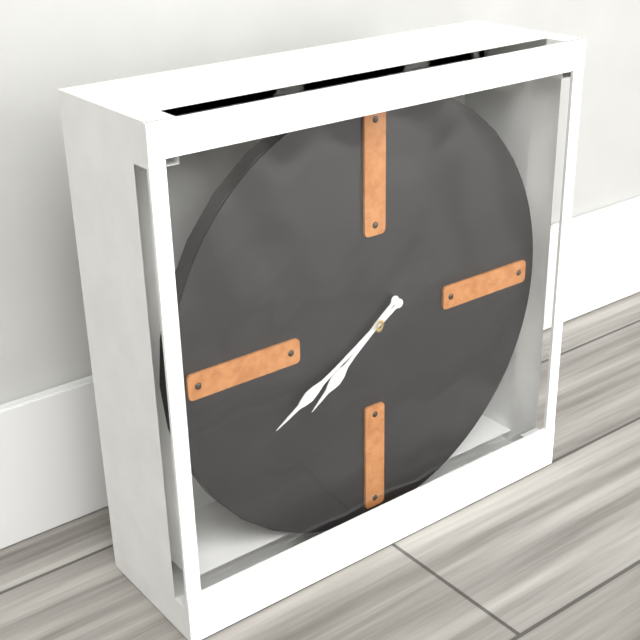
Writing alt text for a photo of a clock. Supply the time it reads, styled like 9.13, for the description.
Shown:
7.40
